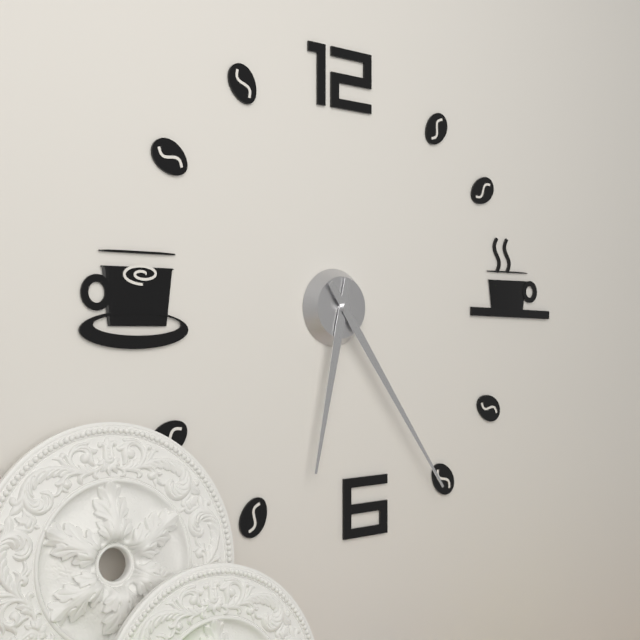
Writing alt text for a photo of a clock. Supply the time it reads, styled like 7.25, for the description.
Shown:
6.24
